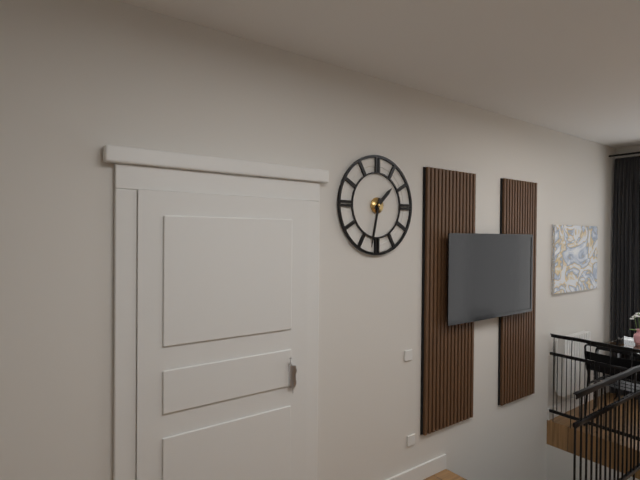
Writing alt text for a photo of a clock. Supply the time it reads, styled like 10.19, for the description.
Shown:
1.32
